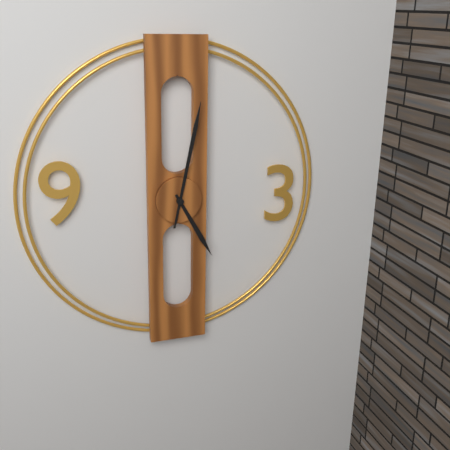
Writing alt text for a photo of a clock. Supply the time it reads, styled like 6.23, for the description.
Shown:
5.02
